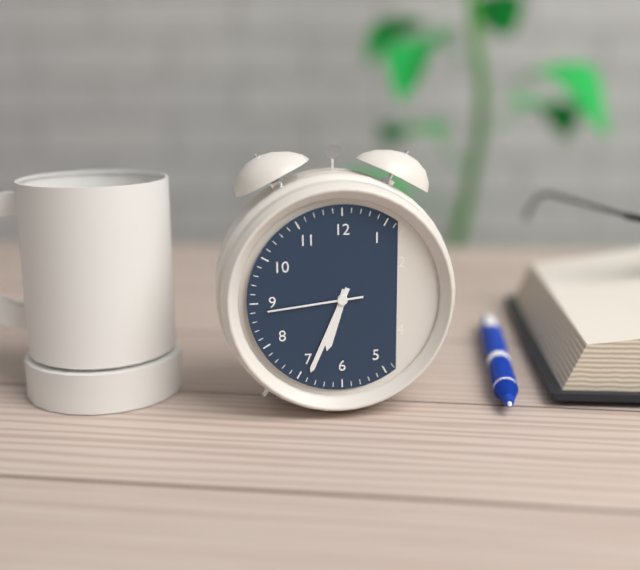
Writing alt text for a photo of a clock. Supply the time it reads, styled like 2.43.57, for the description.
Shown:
6.34.44
